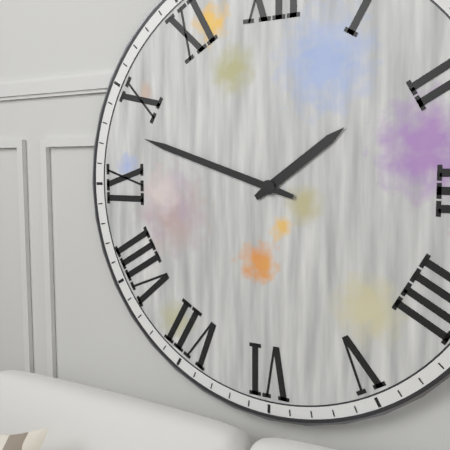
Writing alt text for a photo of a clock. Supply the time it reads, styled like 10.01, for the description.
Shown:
1.48
